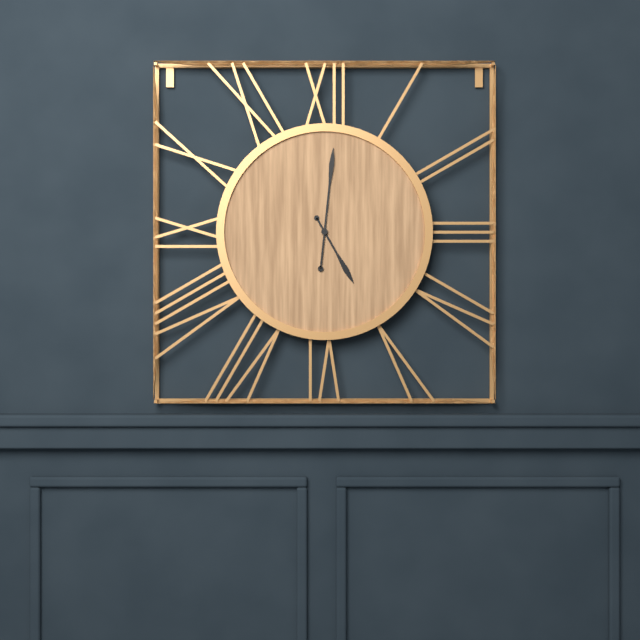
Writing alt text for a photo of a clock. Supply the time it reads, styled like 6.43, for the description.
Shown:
5.01
